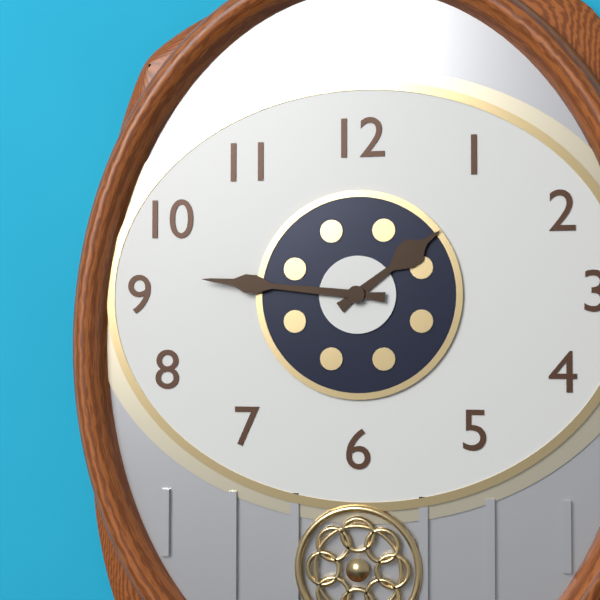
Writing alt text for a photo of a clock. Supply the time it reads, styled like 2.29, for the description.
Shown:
1.46
